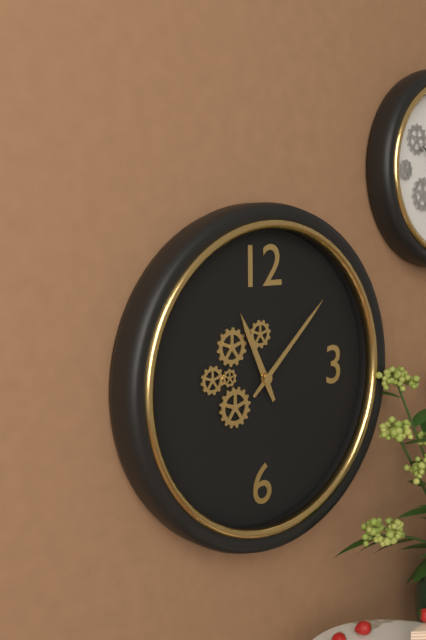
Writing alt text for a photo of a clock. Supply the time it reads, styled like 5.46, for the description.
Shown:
11.08
